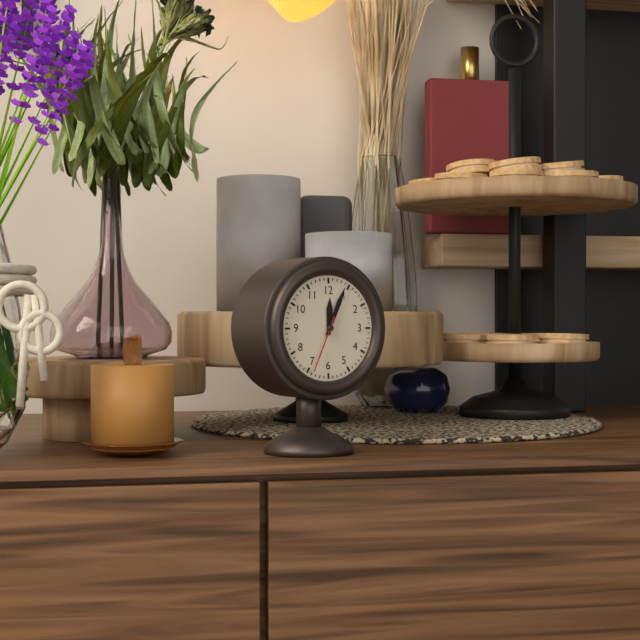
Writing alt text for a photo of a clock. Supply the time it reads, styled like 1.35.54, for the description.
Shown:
12.04.34
